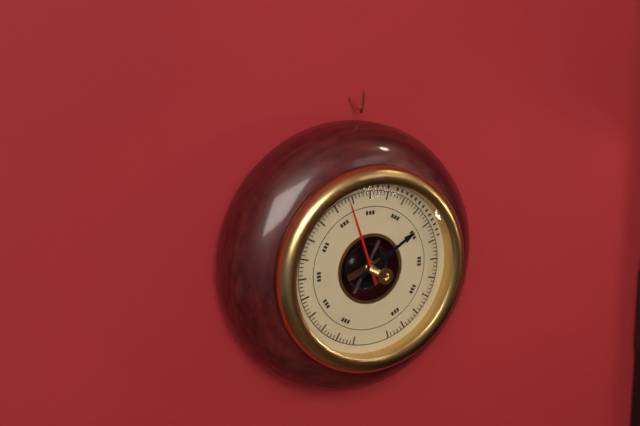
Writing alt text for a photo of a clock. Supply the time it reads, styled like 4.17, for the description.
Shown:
1.57
